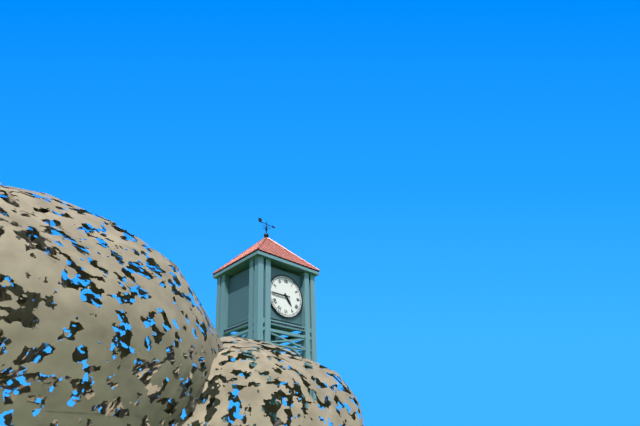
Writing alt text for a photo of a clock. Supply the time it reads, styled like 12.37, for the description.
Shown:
4.45
